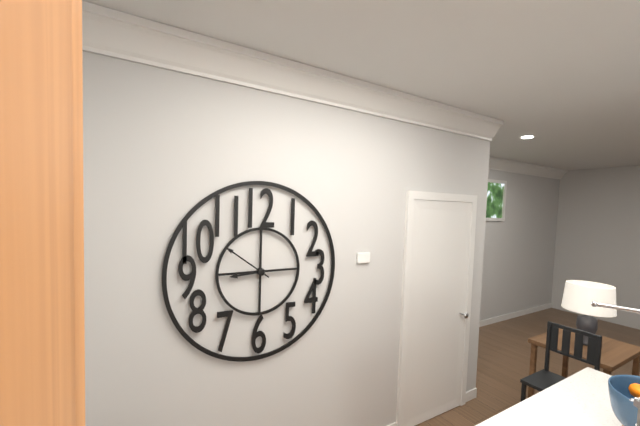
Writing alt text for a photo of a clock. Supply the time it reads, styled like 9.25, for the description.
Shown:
8.51
